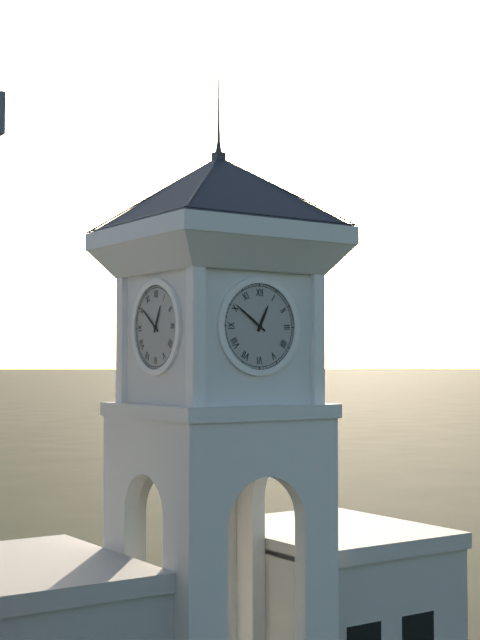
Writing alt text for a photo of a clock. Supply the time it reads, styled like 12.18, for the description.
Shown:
12.51
